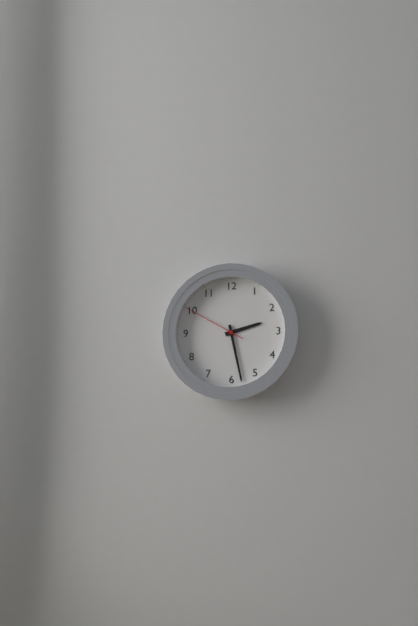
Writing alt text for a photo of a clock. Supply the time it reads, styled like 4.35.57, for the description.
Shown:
2.28.50
